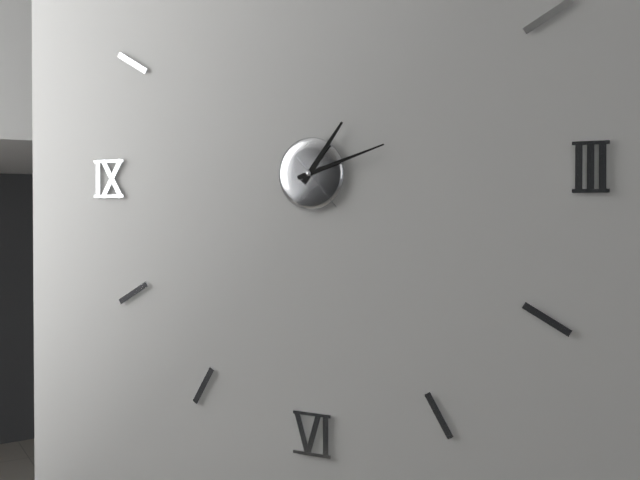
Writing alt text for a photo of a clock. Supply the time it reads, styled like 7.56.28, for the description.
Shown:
1.12.23
